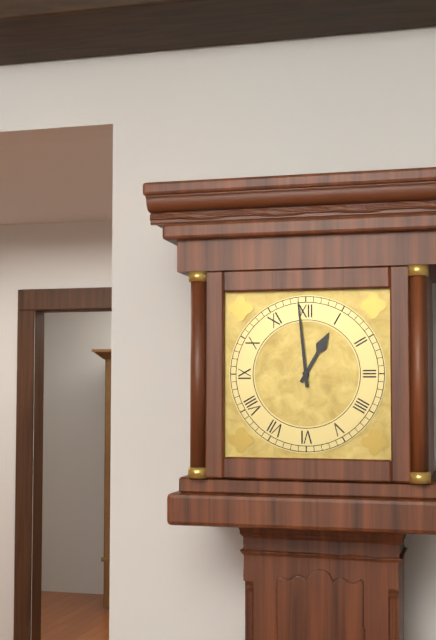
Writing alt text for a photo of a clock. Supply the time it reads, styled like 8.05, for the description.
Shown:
12.59
